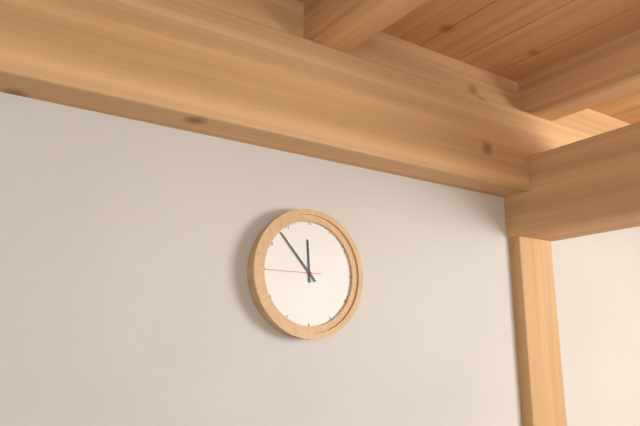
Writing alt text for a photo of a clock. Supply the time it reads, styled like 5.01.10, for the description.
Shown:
11.53.45
